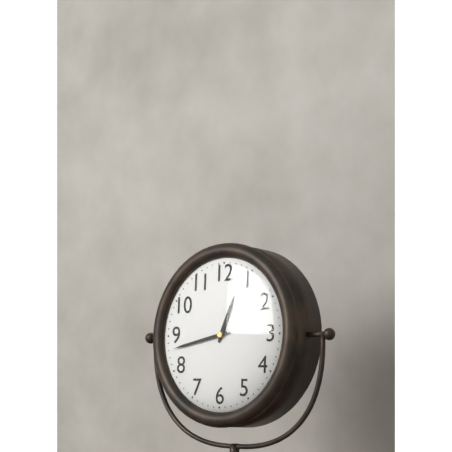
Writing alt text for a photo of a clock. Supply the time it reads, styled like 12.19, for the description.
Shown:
12.43
